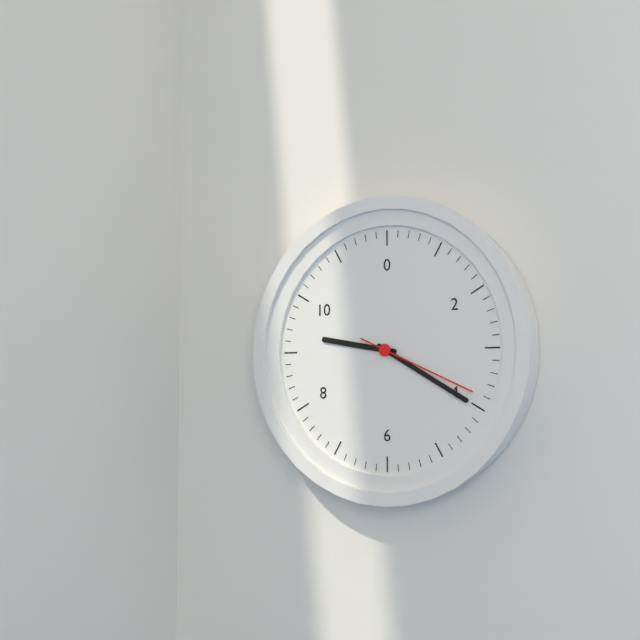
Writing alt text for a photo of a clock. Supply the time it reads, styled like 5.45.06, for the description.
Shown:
9.20.19
